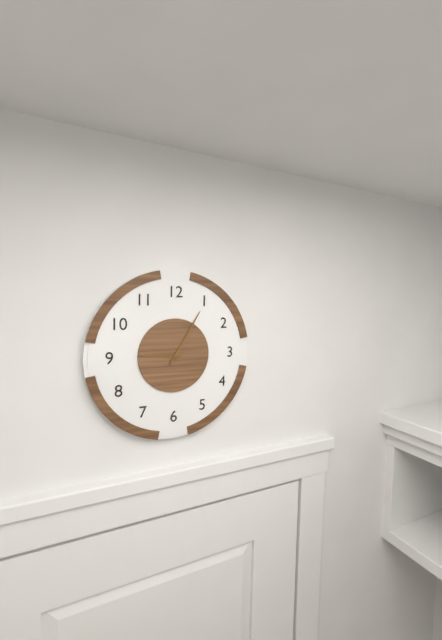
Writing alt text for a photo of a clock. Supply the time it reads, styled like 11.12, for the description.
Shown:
9.05
